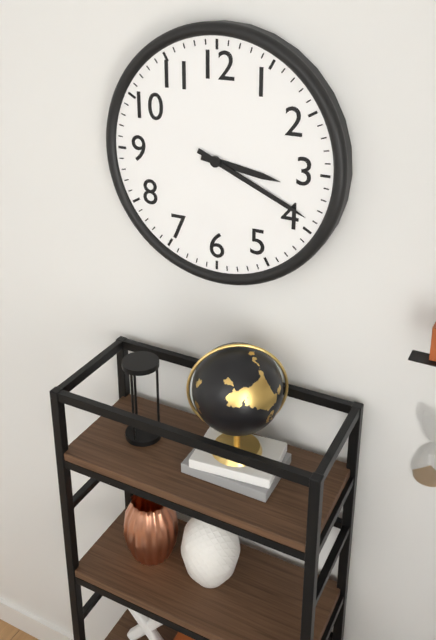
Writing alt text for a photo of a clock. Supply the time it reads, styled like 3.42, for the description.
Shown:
3.19
